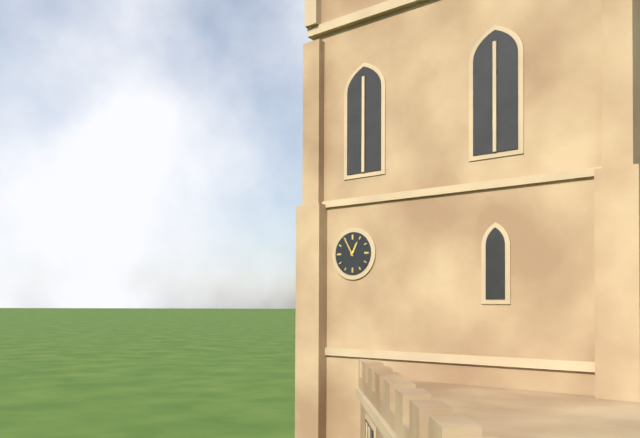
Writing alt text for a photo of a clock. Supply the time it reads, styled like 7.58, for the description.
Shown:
12.55
